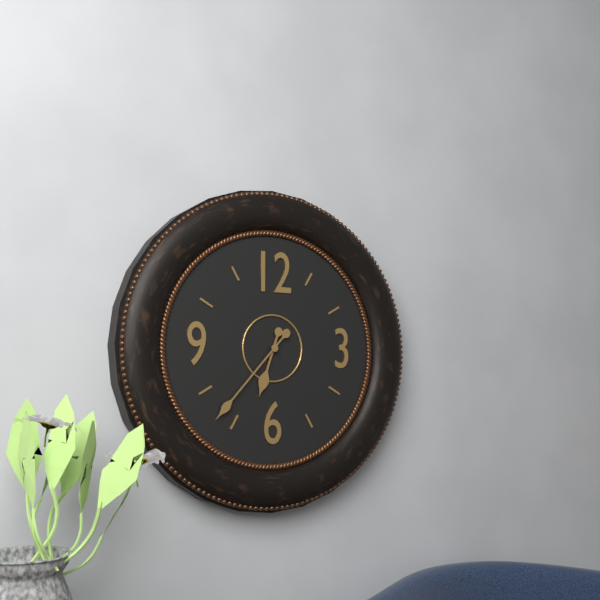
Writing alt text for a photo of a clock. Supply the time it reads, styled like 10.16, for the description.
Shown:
6.37
